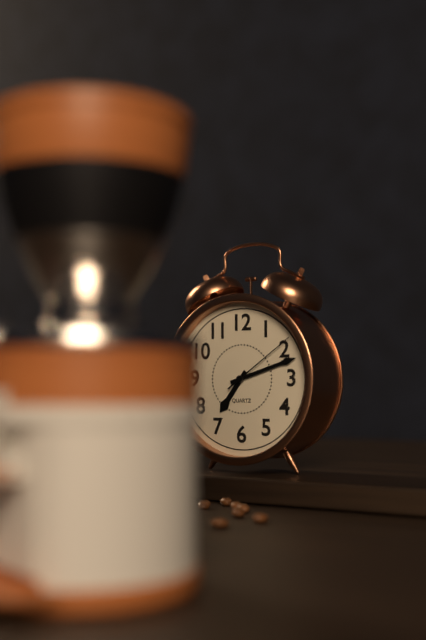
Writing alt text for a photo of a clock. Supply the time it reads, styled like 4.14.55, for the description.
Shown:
7.12.09
